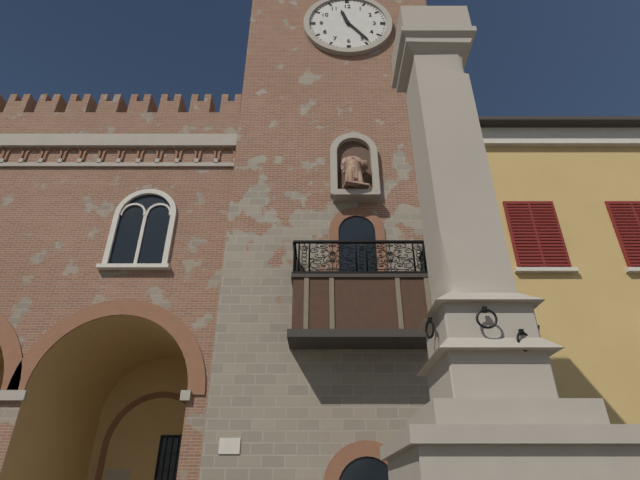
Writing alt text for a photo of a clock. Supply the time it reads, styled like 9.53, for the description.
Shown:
11.24
